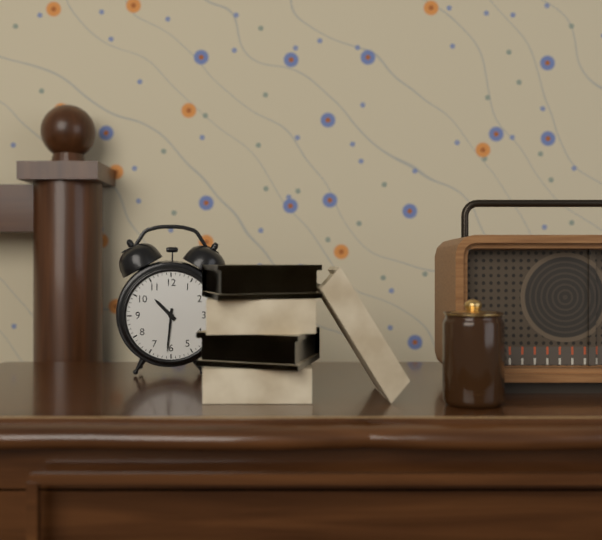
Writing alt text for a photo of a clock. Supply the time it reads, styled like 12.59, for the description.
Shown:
10.31
